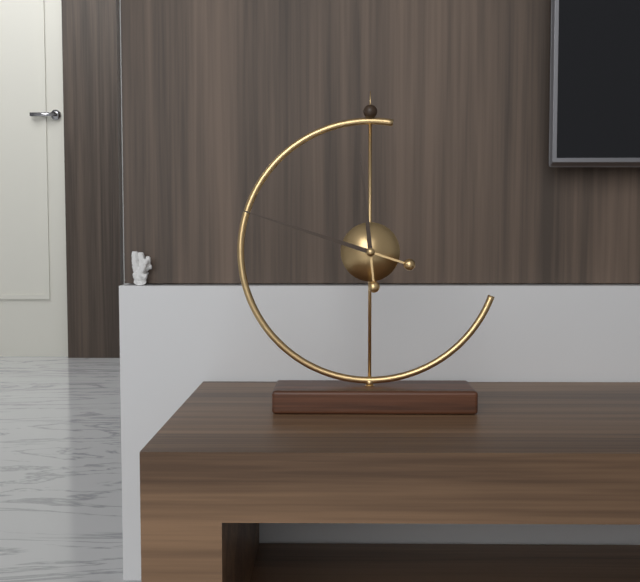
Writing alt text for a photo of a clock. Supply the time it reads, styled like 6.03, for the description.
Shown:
11.48
